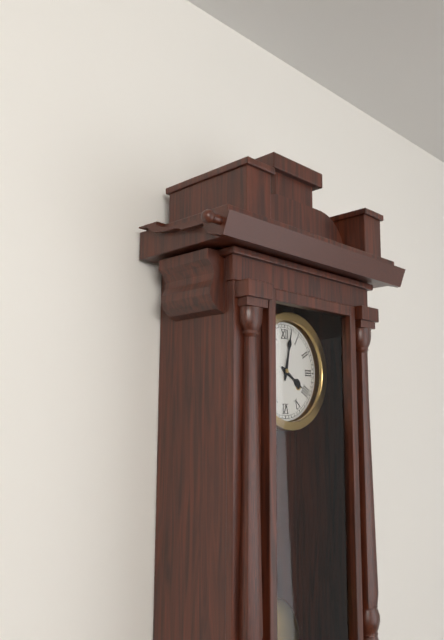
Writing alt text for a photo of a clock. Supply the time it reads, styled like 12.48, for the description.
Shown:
4.02
